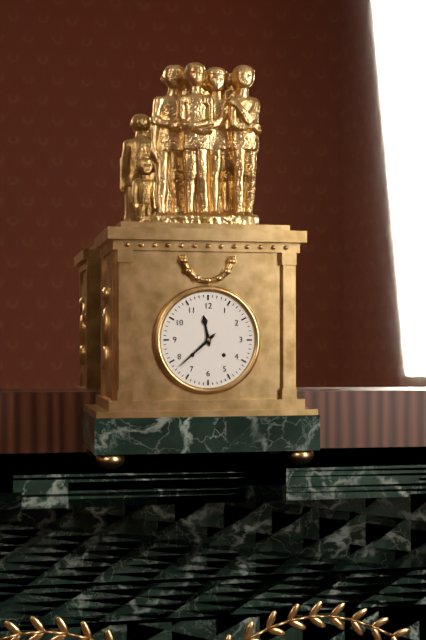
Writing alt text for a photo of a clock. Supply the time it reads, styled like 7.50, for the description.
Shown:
11.38
